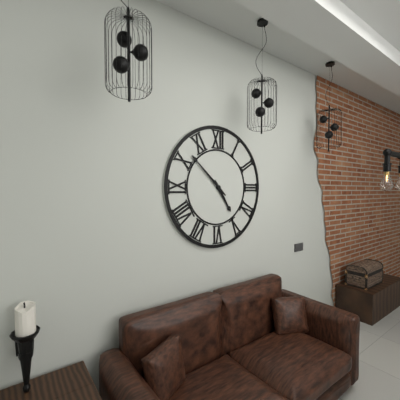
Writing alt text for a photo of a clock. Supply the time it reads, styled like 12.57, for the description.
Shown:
4.52
